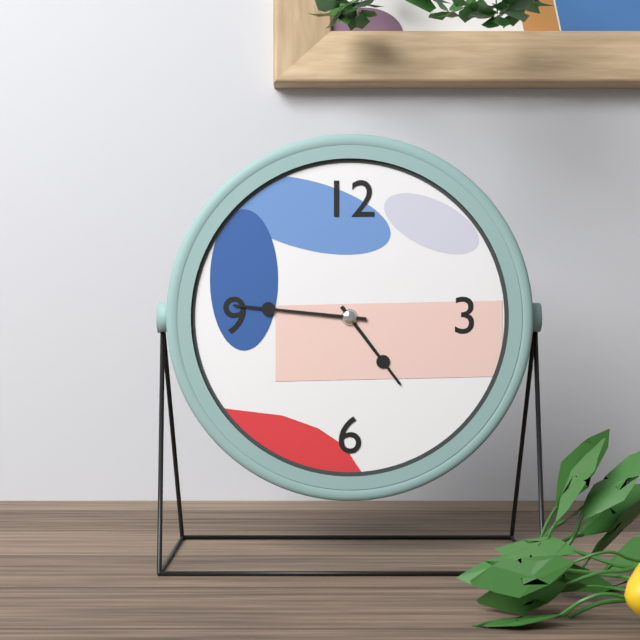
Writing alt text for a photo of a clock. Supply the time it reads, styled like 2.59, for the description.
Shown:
4.46
